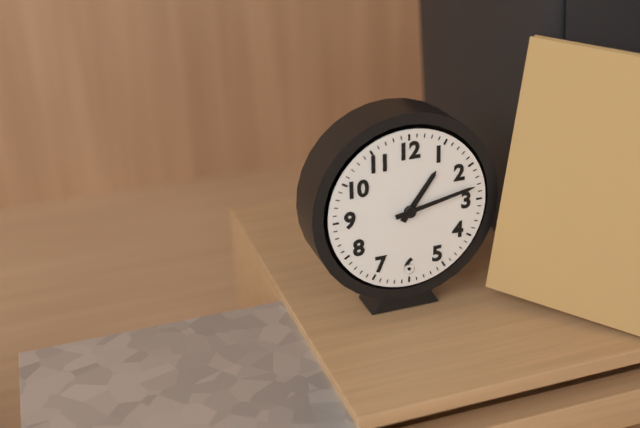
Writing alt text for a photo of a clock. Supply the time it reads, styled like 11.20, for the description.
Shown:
1.13
